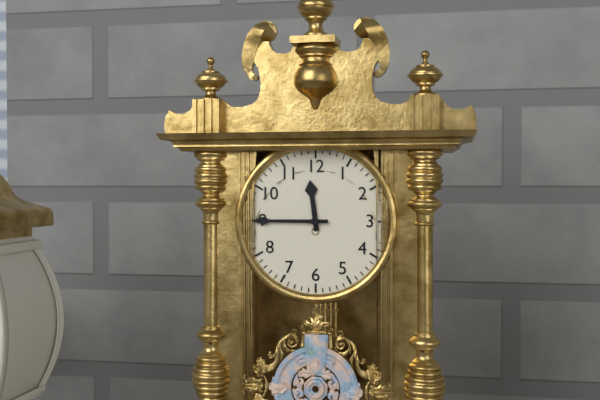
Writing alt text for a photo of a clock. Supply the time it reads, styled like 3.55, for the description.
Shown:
11.45
